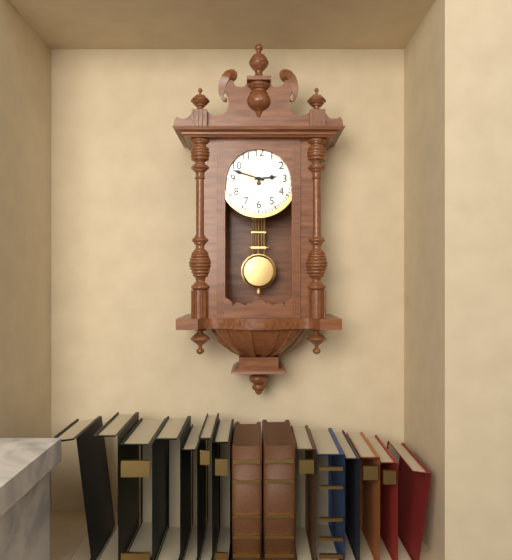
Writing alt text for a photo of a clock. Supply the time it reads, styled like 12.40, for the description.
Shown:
2.48
